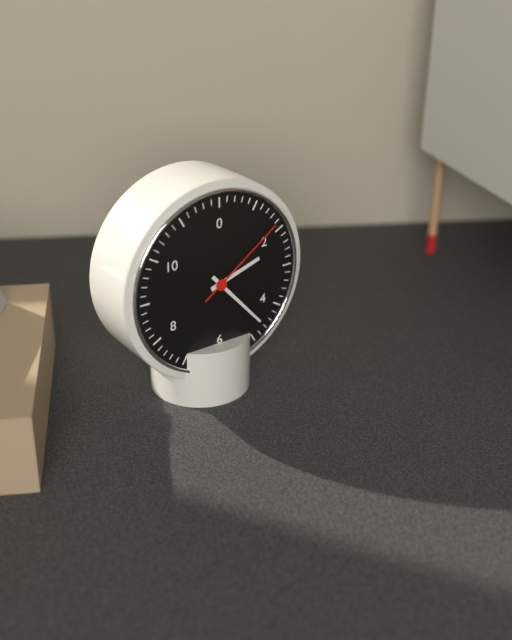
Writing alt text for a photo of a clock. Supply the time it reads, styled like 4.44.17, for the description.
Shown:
2.23.09
